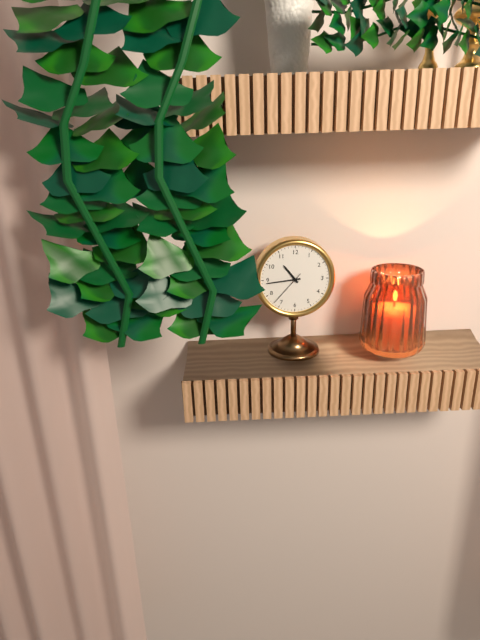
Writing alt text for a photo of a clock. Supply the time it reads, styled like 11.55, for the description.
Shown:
10.44
